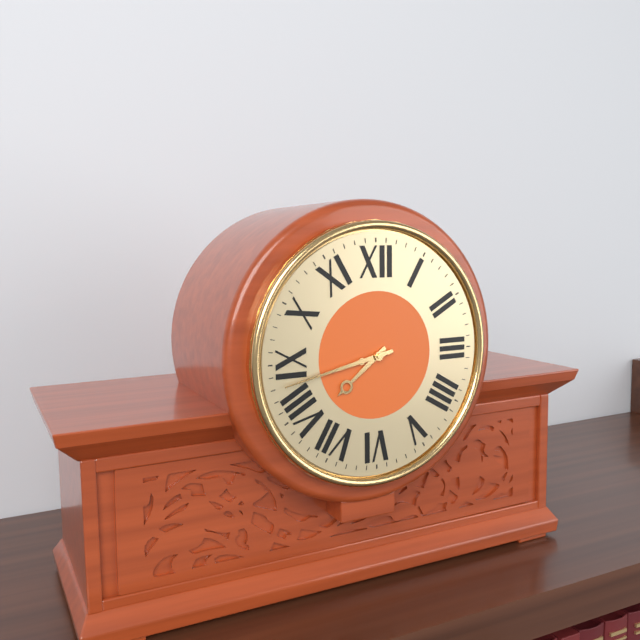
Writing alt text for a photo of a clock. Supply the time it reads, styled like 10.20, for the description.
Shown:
7.43
